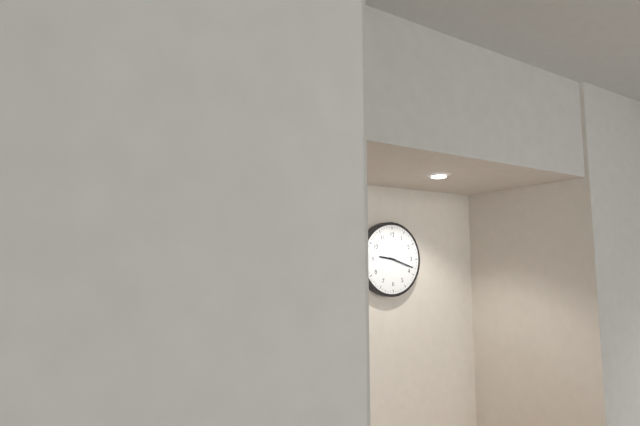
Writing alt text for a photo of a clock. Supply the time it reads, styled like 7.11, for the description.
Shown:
9.18
